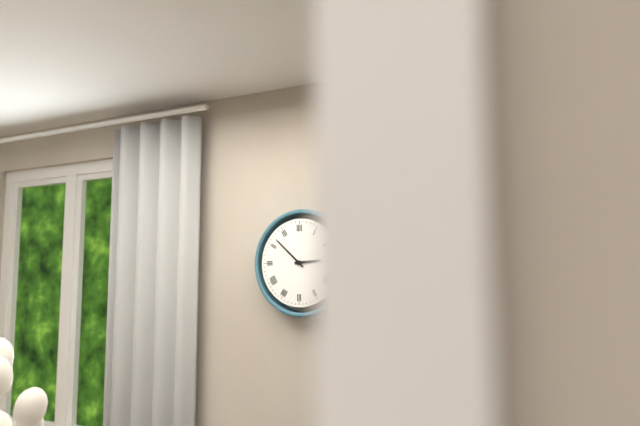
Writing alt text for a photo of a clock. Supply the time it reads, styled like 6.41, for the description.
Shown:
2.52
